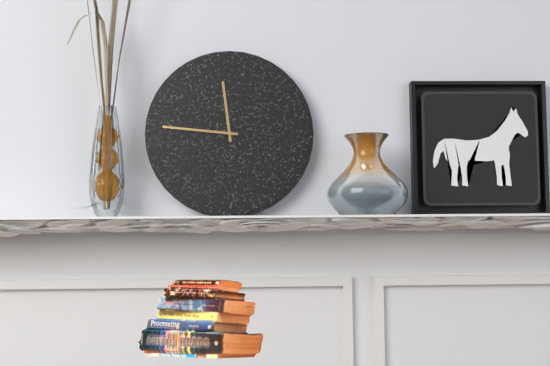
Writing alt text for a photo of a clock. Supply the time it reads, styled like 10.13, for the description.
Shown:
11.46
